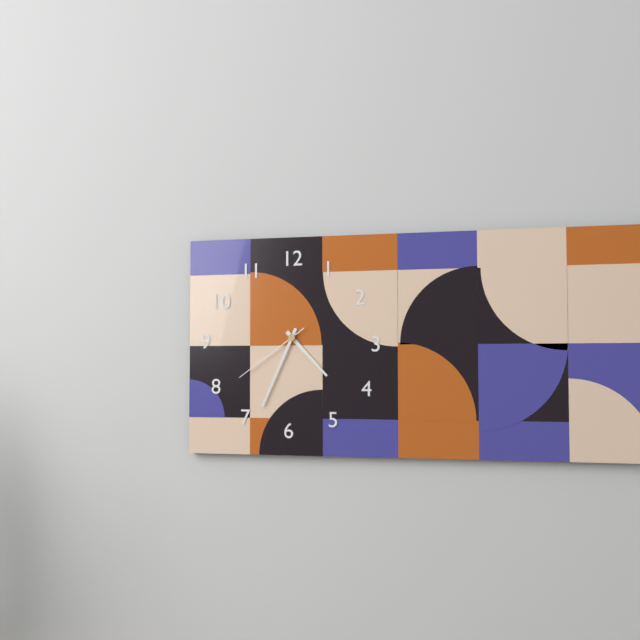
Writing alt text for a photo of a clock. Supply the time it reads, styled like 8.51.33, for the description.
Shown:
4.34.39
